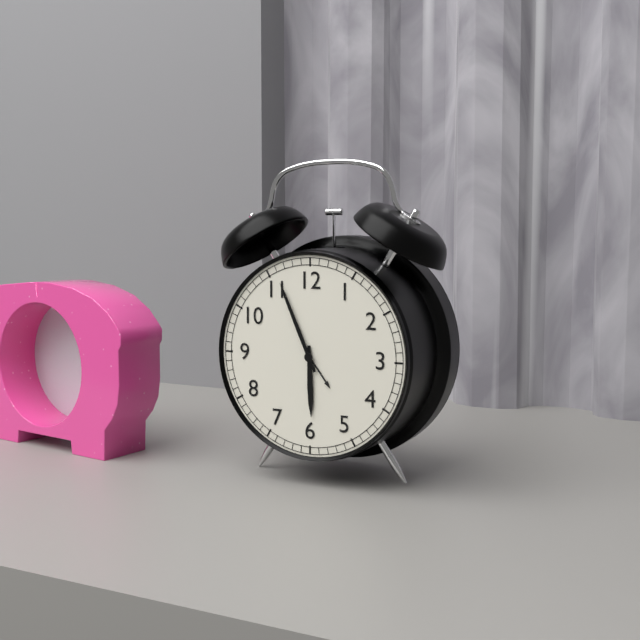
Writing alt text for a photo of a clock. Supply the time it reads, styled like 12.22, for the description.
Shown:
5.56
